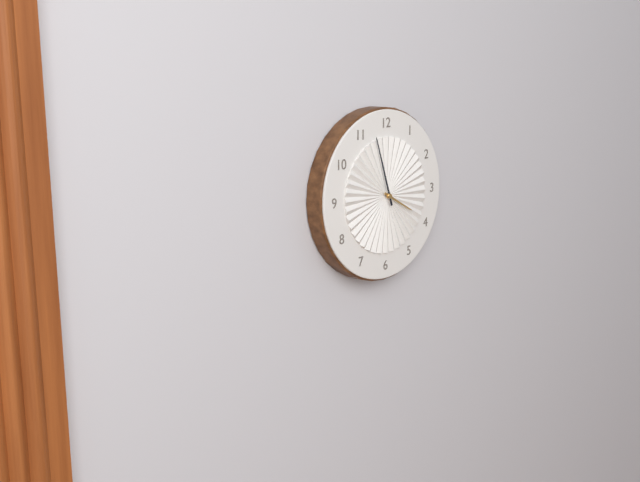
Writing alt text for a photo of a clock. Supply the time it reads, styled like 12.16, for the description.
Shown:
3.57
